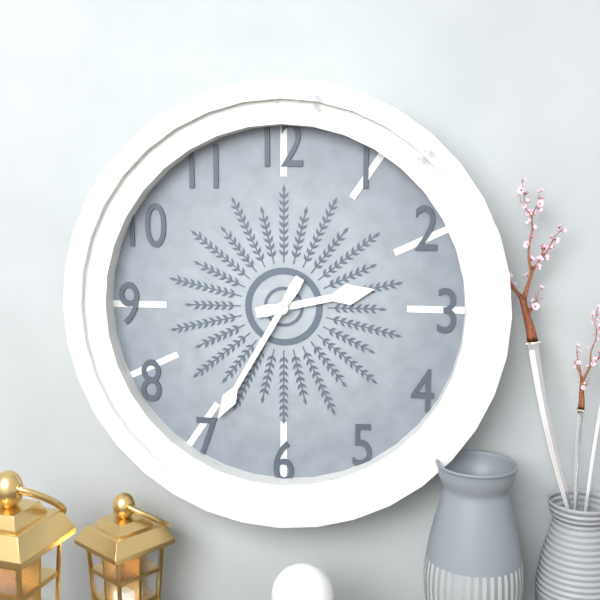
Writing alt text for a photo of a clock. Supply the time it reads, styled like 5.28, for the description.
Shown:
2.35
